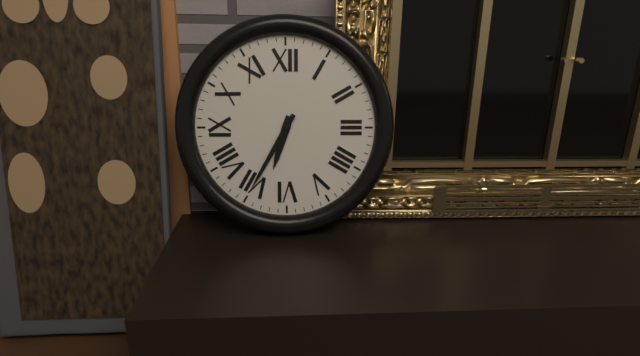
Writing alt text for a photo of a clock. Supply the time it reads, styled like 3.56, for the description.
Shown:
6.35
